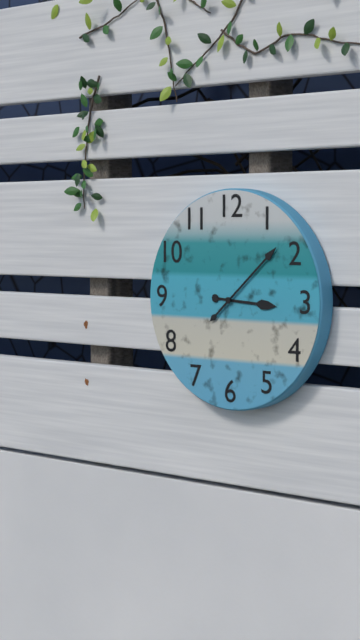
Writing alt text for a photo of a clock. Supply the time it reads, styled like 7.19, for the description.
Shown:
3.08
